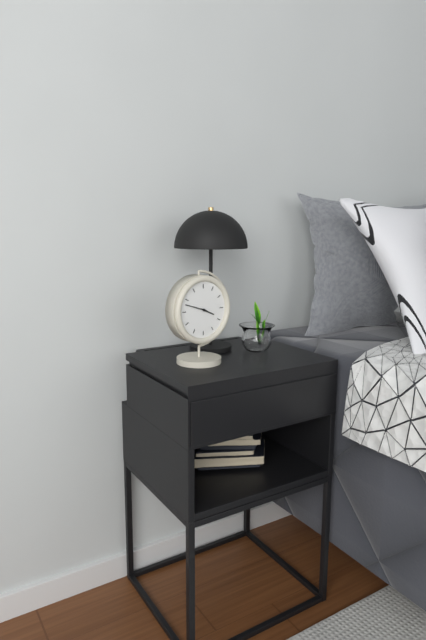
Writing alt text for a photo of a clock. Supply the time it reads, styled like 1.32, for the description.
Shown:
3.48
